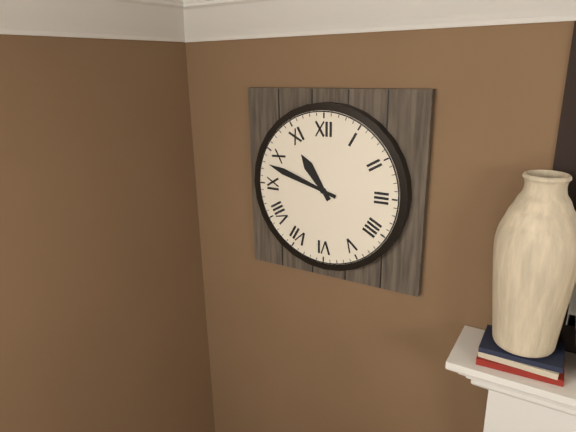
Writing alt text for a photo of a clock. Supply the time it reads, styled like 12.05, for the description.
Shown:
10.48
